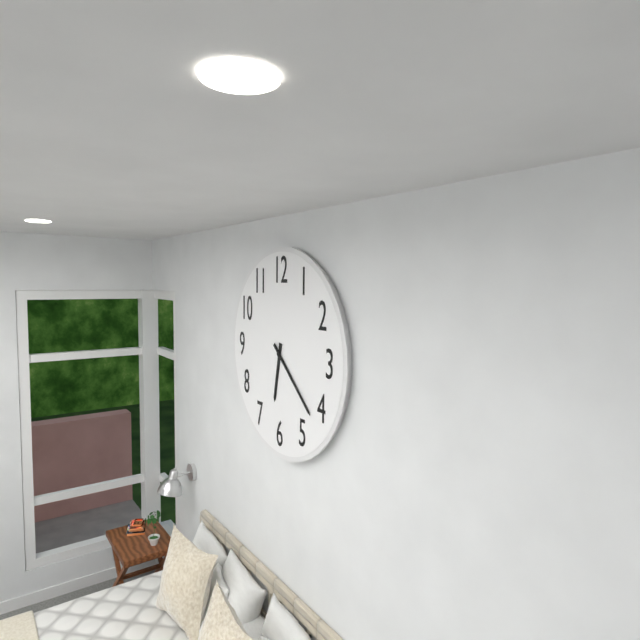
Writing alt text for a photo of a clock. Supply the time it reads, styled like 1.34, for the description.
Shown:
6.22
